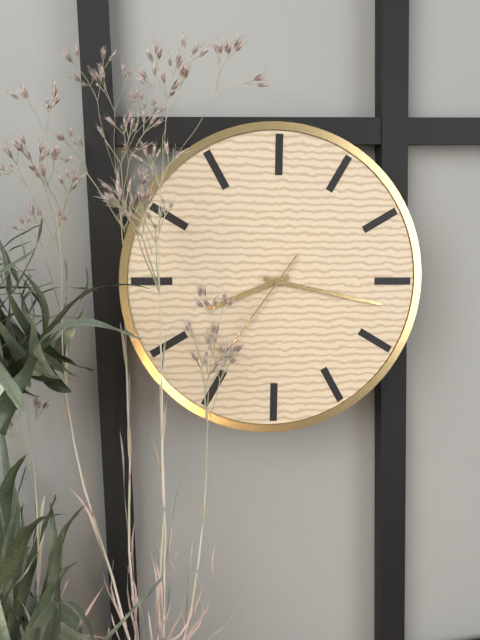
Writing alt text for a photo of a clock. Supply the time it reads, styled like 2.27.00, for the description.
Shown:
8.17.36
